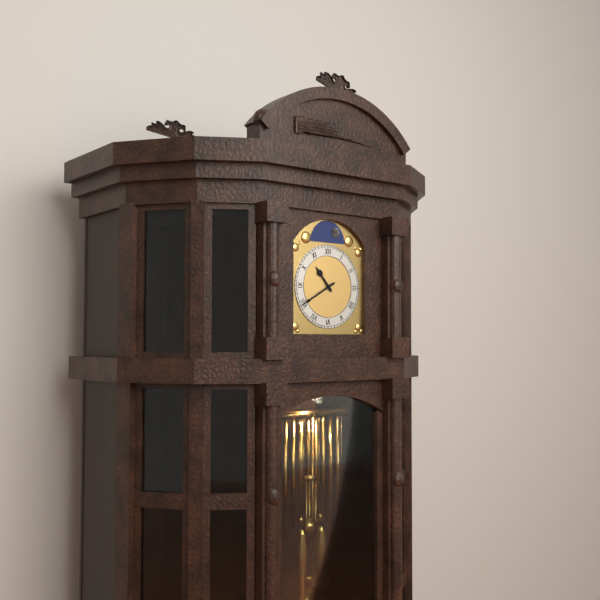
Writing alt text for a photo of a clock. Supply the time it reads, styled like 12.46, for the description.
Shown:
10.40
